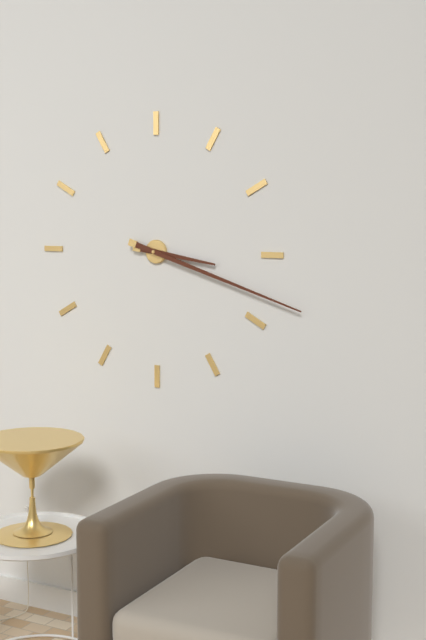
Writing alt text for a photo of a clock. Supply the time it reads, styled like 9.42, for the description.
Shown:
3.18
